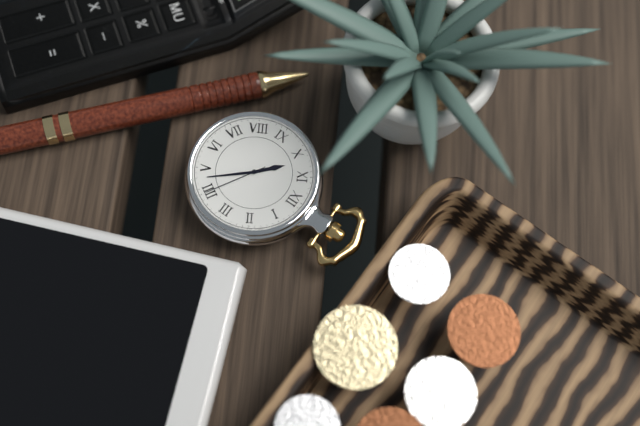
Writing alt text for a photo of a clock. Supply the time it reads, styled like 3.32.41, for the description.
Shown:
10.23.20
